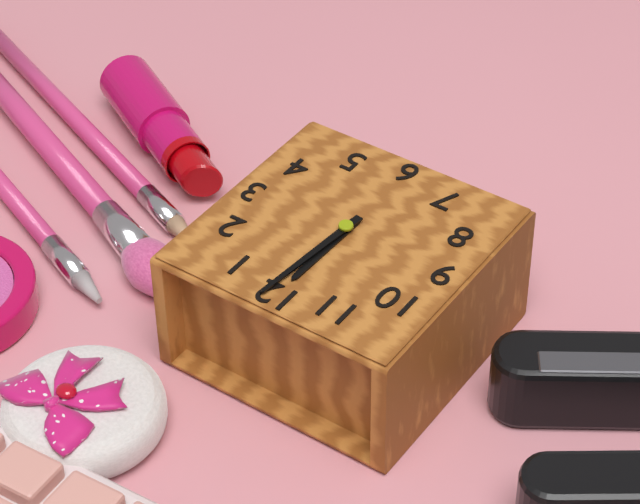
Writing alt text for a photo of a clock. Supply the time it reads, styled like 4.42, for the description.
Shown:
12.01
